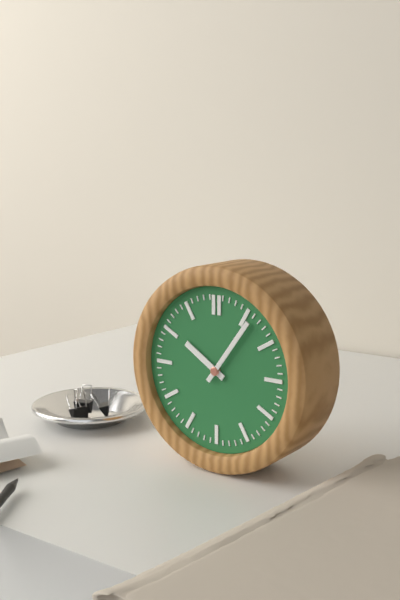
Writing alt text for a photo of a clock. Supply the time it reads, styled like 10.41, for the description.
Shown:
10.06
